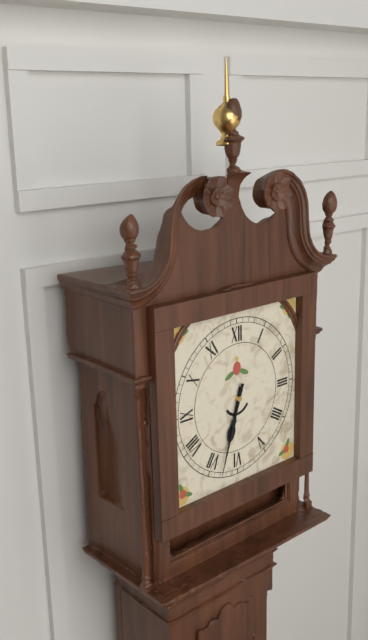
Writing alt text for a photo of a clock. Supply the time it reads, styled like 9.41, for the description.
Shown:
6.33
